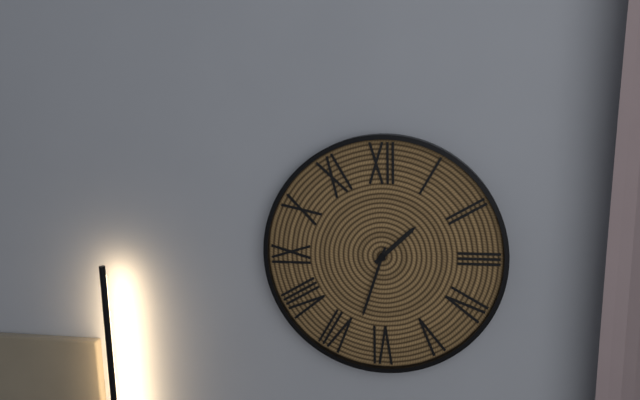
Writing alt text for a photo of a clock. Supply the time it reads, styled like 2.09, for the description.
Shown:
1.33
